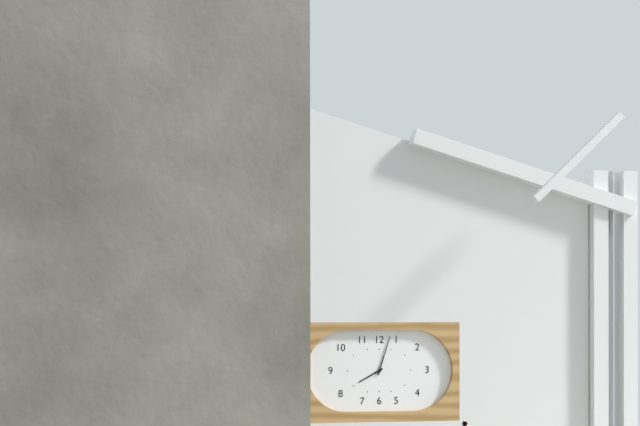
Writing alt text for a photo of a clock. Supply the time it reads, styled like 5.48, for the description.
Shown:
8.03
